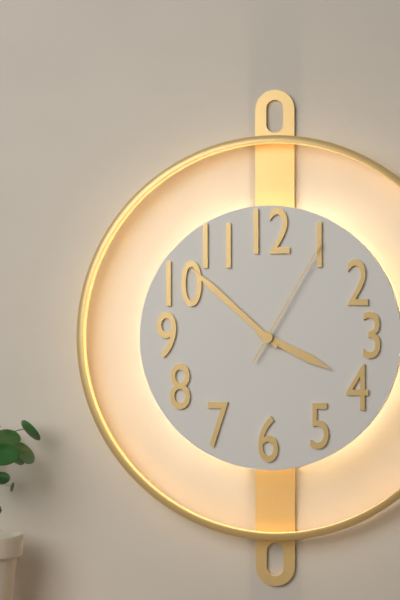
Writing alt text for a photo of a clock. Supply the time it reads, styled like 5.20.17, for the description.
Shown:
3.52.05
